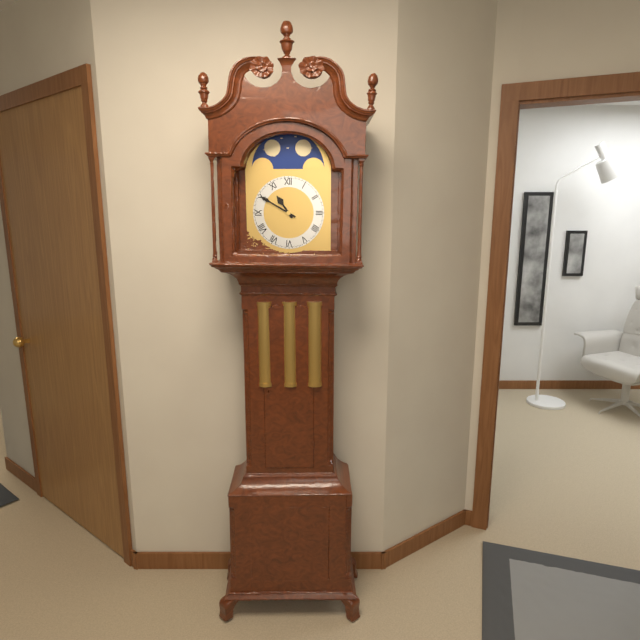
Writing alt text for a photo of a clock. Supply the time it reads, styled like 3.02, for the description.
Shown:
10.50
